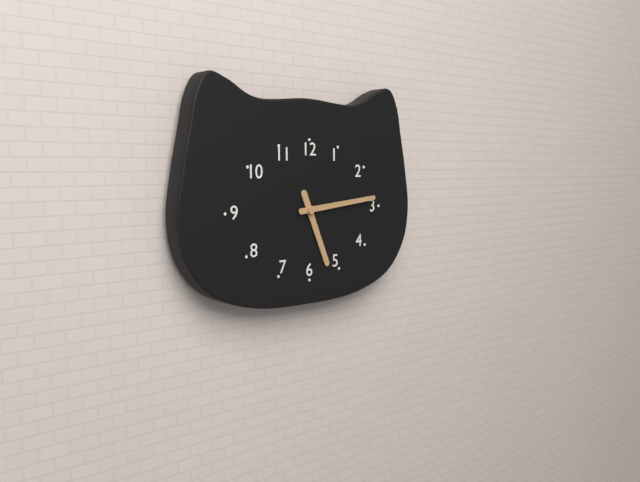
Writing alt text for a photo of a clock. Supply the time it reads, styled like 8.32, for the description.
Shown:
5.14
